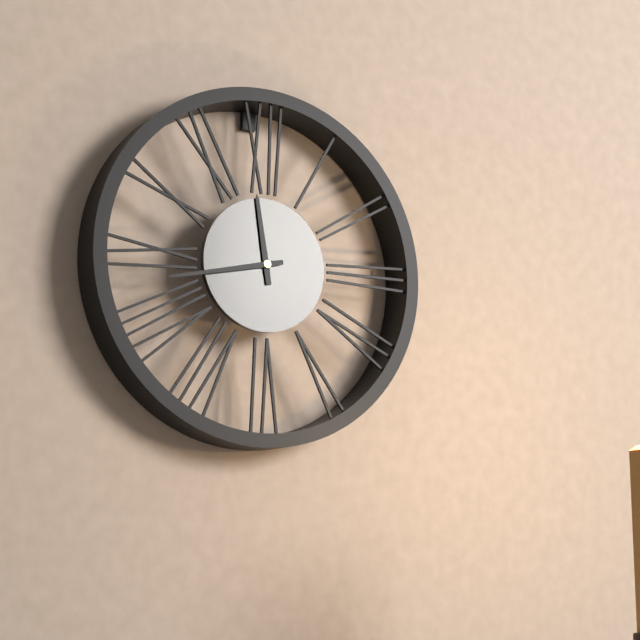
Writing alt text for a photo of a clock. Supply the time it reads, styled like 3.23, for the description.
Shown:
11.43
